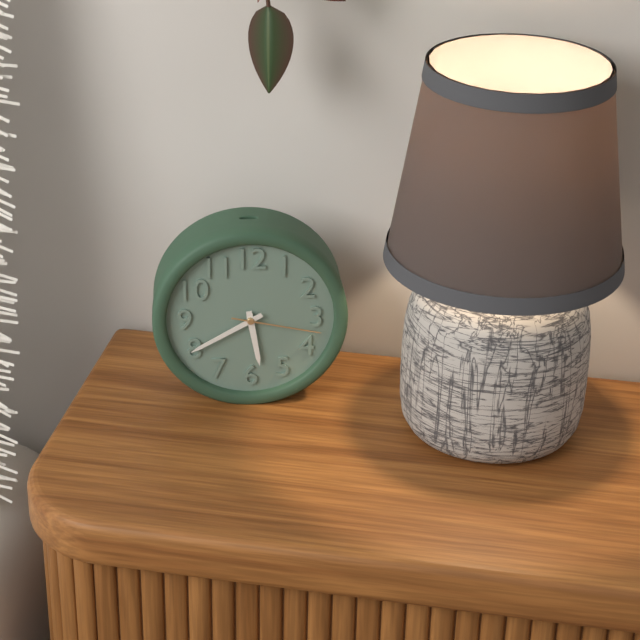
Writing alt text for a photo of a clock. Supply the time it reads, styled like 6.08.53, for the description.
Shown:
5.40.17
